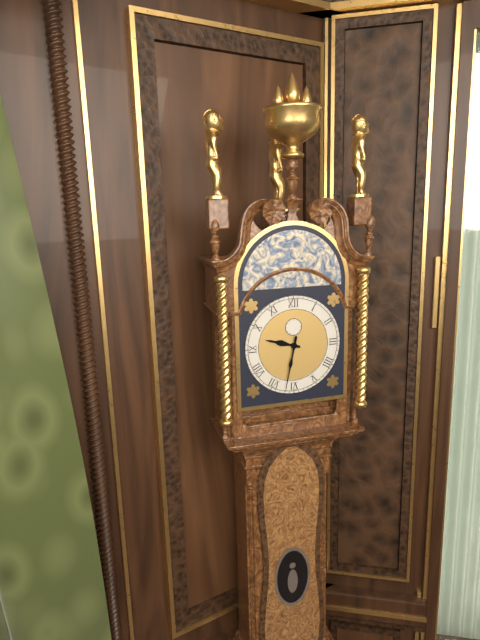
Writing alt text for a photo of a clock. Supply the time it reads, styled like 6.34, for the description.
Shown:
9.32
